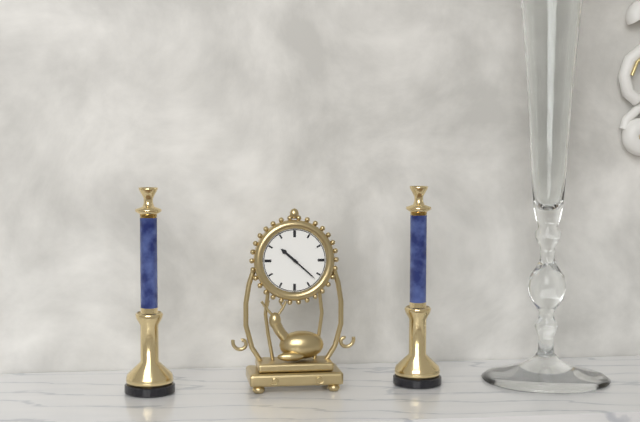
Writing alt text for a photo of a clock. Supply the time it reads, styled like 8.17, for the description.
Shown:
10.22
